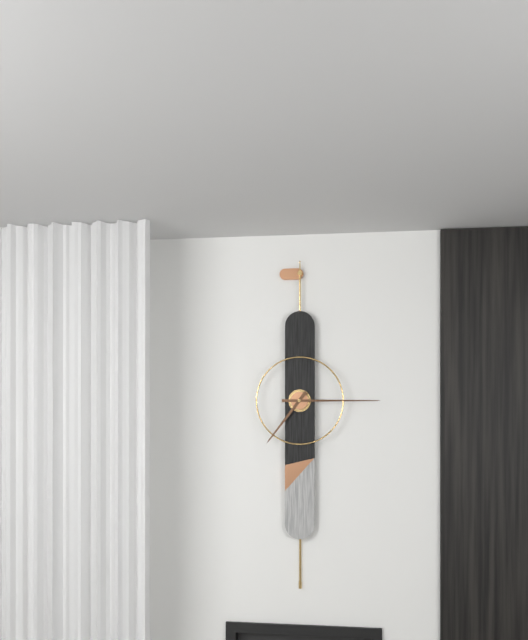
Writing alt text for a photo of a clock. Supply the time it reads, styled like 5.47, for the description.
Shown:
7.15
